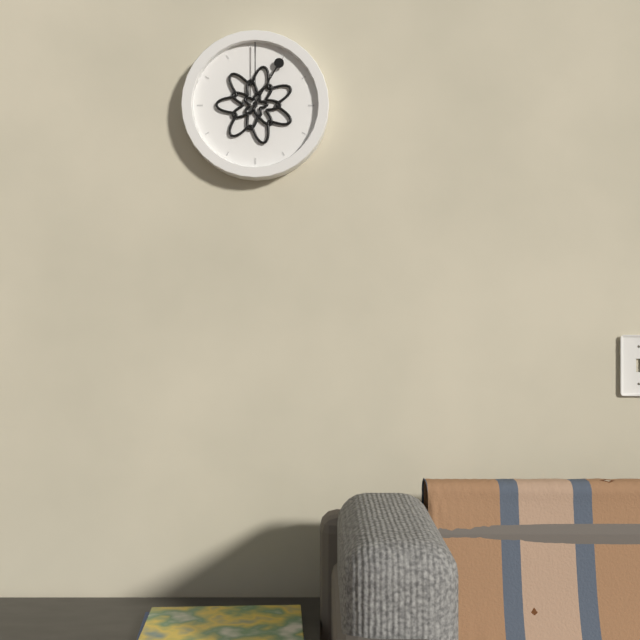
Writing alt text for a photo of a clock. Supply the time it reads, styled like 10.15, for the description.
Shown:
1.00
